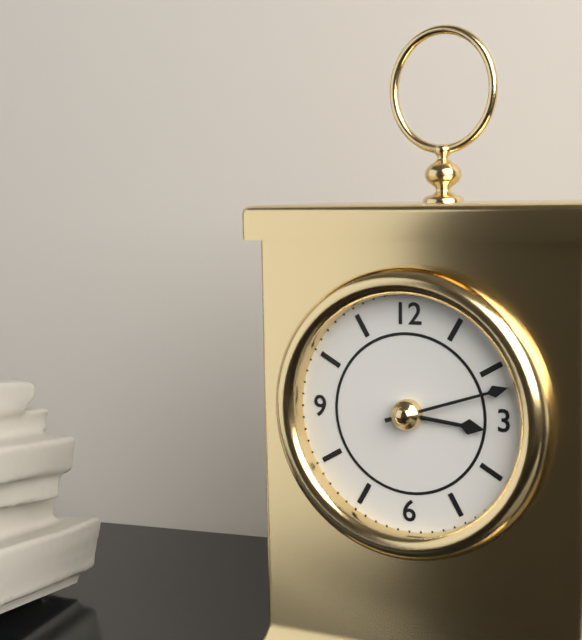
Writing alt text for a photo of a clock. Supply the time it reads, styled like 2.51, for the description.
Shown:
3.12
